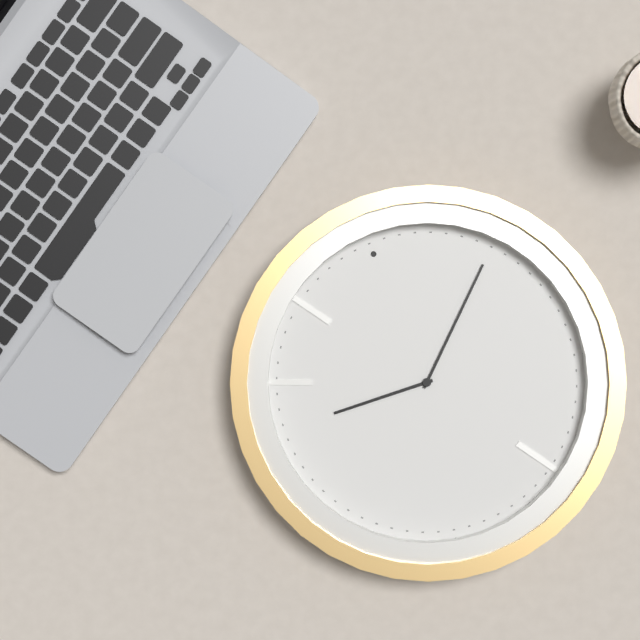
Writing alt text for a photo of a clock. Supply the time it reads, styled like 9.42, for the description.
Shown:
9.08
